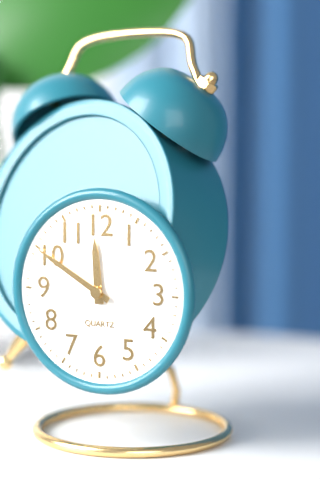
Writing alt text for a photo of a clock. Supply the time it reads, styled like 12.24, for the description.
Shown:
11.50
